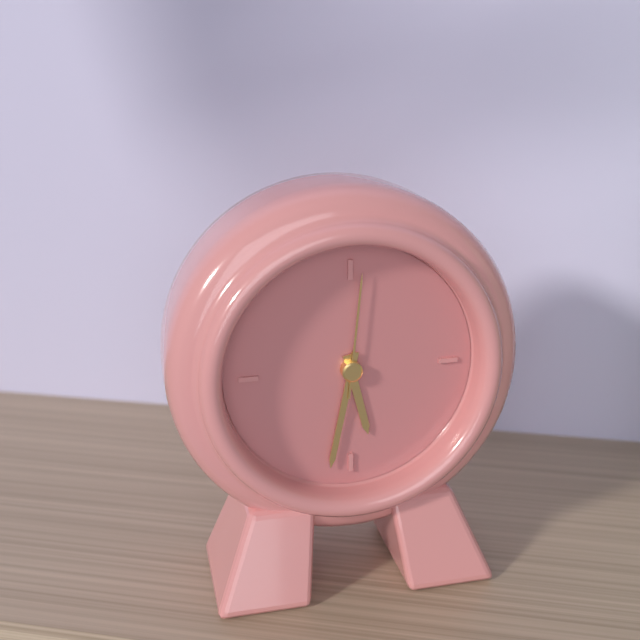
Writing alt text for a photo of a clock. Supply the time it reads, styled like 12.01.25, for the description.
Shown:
5.32.01
